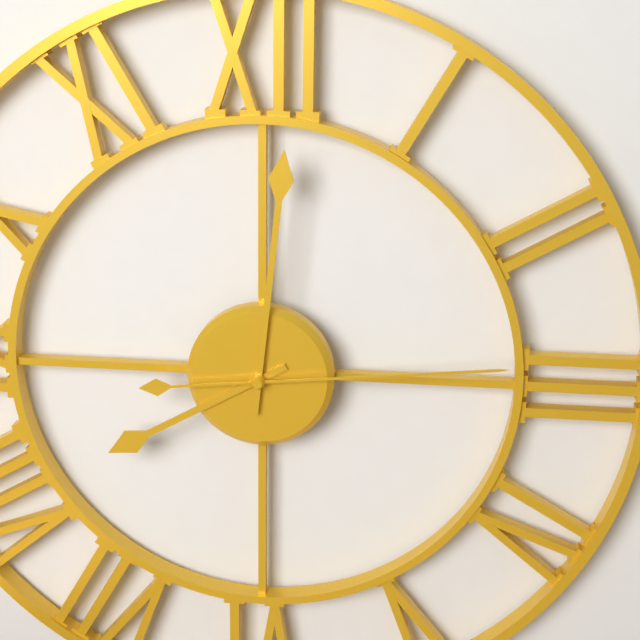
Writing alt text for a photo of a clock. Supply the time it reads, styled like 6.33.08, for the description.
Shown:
8.01.14
